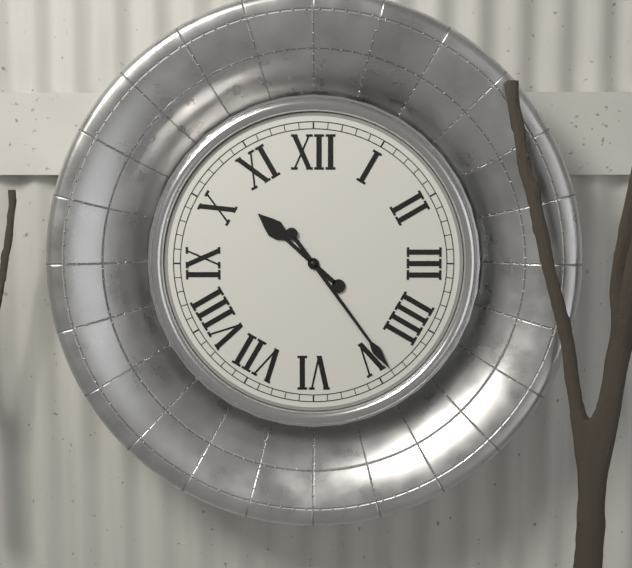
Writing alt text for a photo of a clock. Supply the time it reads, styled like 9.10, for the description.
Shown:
10.24
